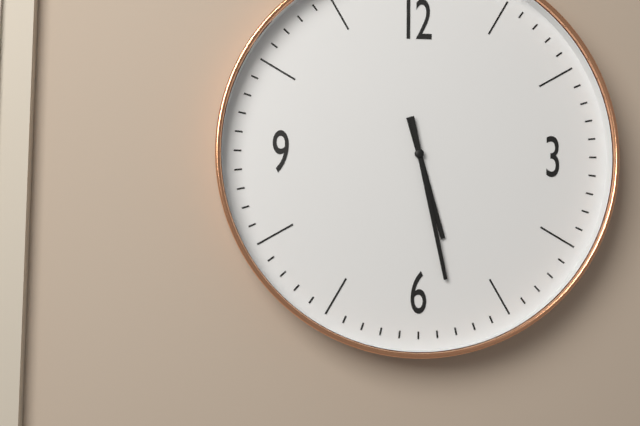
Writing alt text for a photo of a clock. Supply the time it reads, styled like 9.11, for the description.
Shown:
5.28
